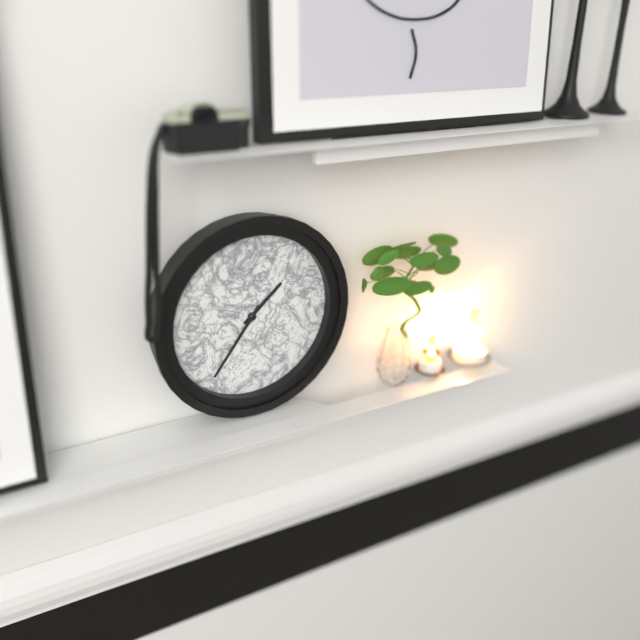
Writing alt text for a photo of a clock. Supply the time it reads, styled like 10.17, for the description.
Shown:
1.36
